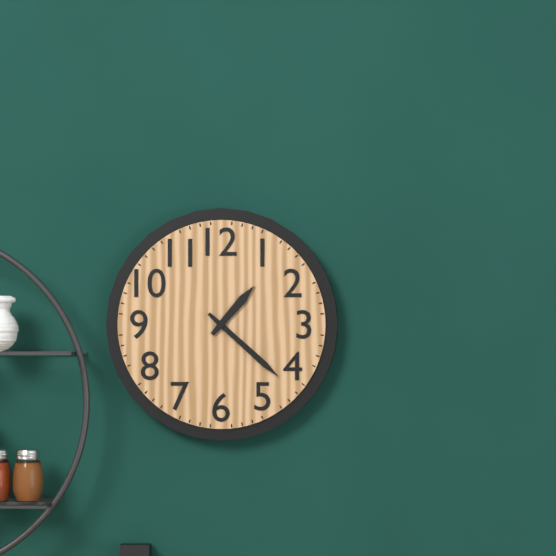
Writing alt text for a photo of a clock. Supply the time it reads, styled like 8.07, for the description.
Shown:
1.22
